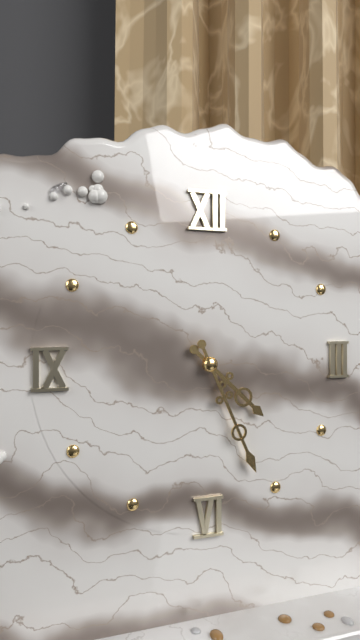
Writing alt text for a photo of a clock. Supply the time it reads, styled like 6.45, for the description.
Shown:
4.26
